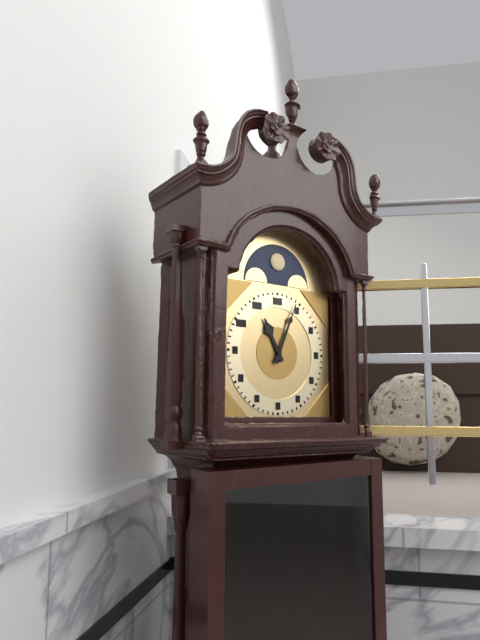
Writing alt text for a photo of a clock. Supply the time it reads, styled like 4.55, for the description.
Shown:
11.04
